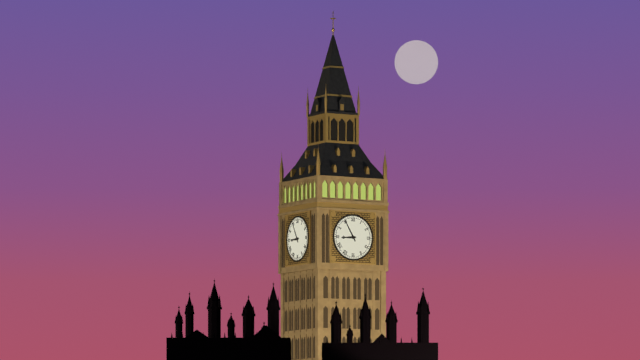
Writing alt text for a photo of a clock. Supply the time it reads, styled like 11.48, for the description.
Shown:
8.55
